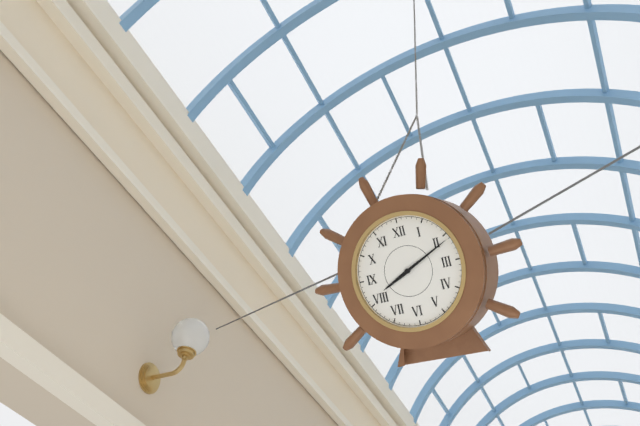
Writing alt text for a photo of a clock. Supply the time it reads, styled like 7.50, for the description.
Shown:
8.11
